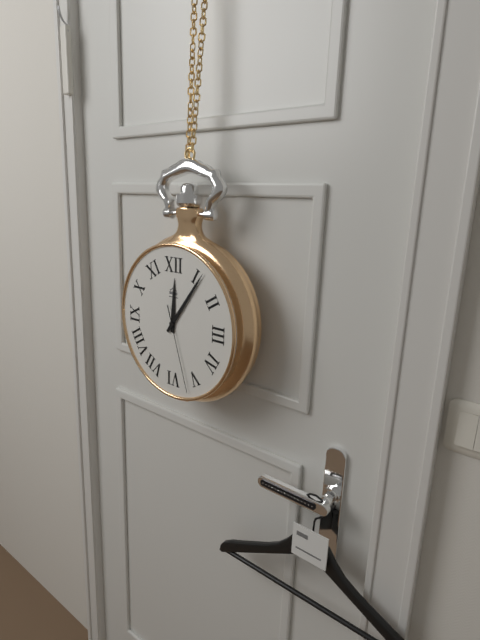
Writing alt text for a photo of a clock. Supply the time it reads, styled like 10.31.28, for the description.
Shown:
12.06.27
